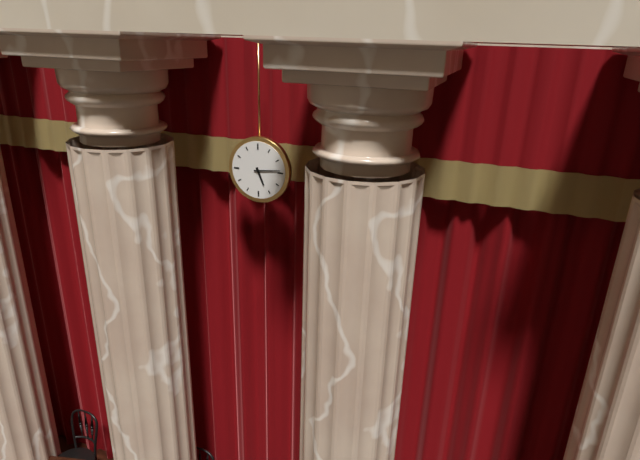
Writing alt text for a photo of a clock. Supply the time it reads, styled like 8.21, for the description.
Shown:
5.14
